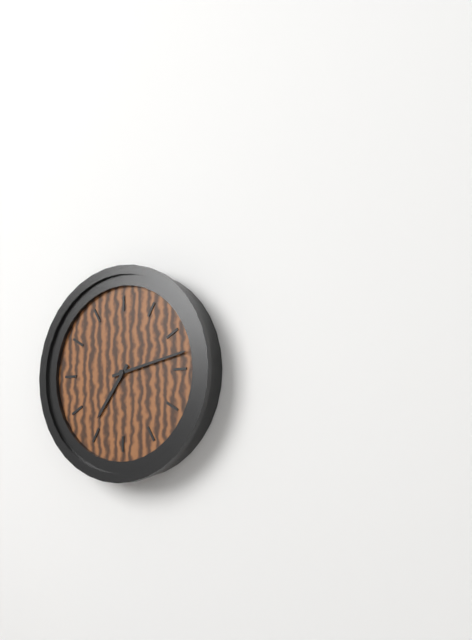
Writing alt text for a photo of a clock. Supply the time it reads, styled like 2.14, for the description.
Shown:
7.13
